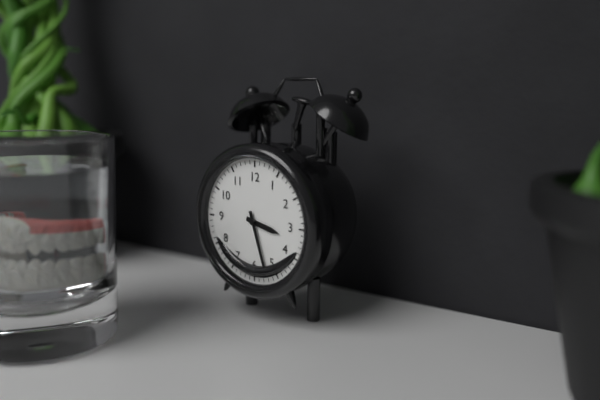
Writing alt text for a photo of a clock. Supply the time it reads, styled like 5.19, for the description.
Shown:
3.27
